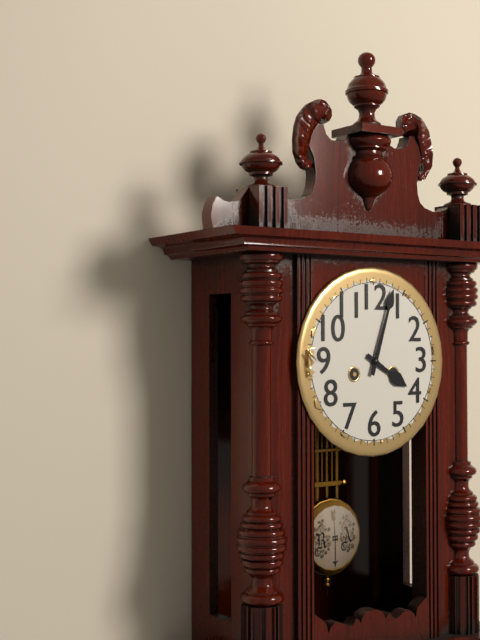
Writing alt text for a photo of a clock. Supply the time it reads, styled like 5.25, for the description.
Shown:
4.03
